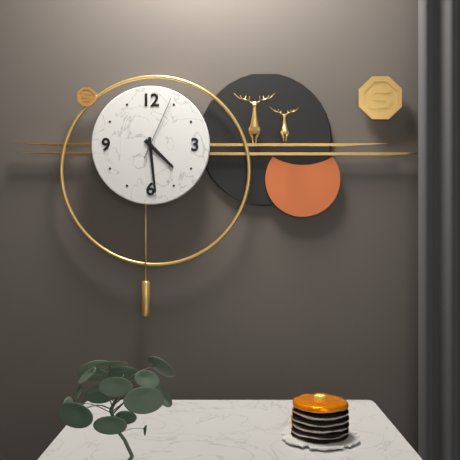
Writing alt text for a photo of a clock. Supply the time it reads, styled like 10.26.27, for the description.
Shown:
4.29.04
